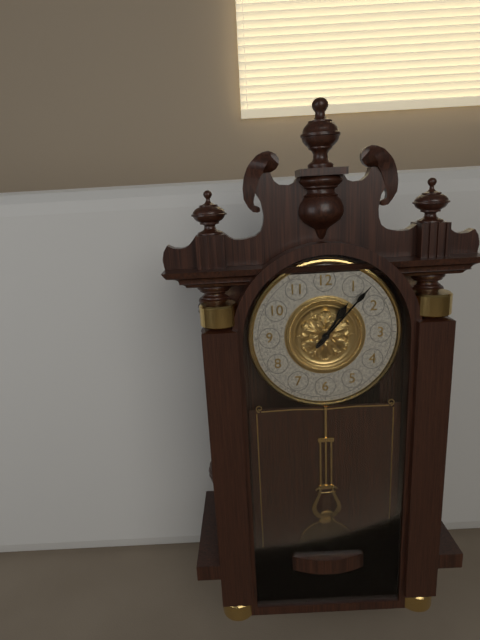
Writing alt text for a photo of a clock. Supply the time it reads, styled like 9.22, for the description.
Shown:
1.07
